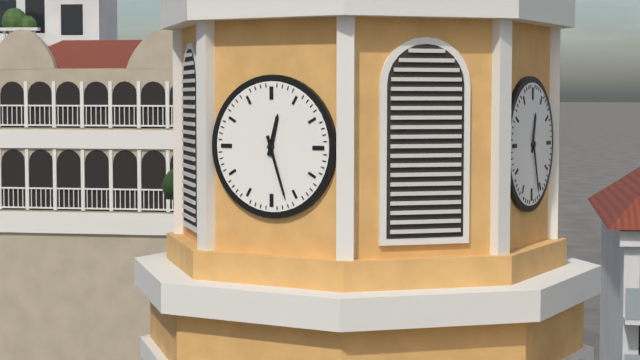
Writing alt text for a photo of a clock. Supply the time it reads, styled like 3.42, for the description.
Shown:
12.27
